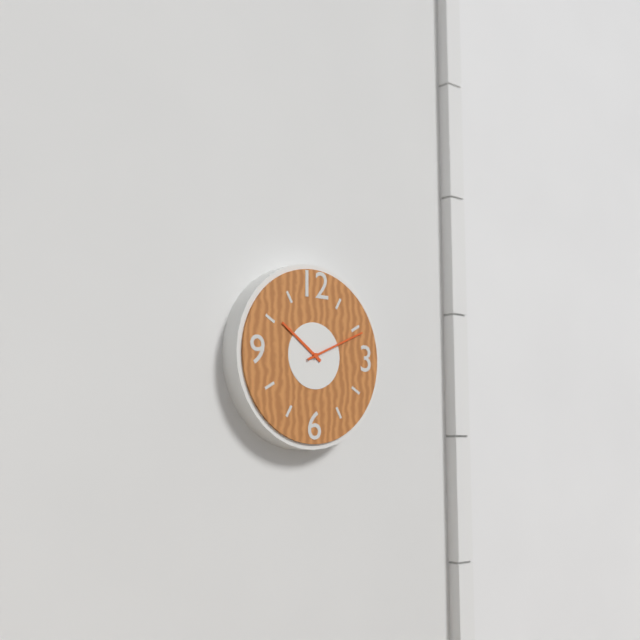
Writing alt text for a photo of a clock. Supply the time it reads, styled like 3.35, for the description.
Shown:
10.11
